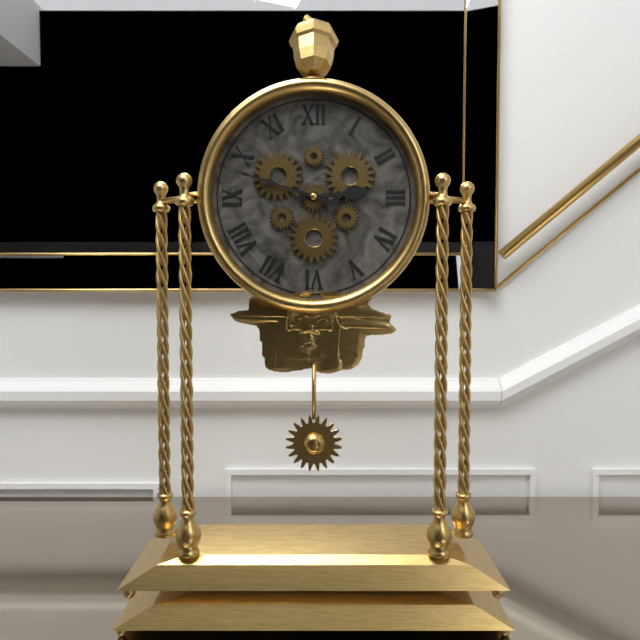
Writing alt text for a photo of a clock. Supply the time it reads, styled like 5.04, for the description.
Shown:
2.48
